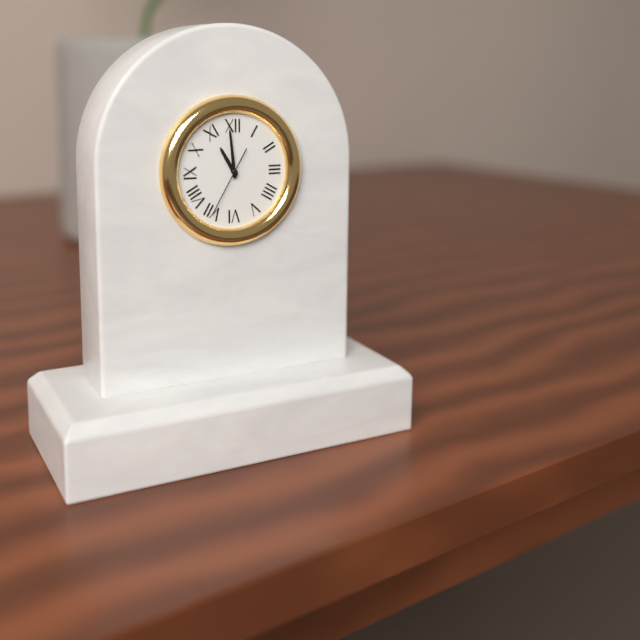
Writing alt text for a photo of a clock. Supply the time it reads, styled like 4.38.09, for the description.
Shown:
10.59.35
